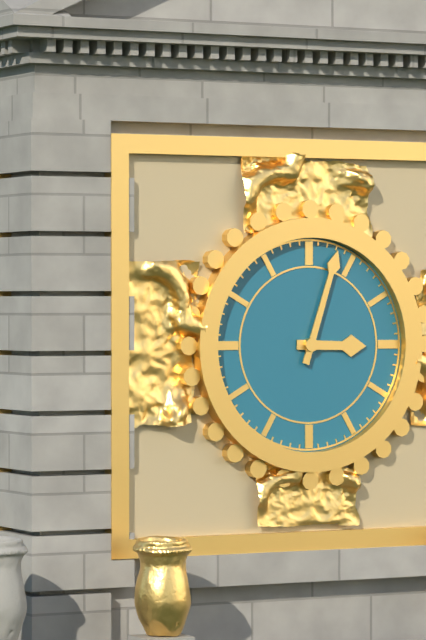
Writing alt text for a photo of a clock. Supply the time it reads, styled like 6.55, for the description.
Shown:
3.03
